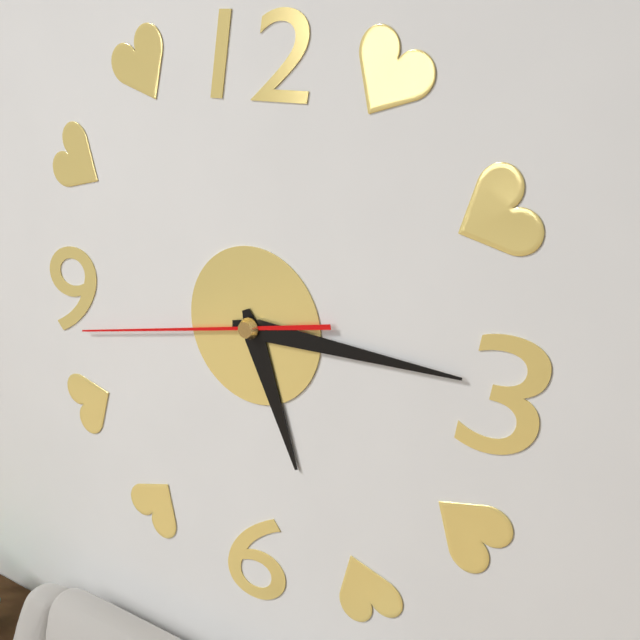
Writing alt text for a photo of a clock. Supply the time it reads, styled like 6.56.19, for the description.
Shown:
5.15.43
